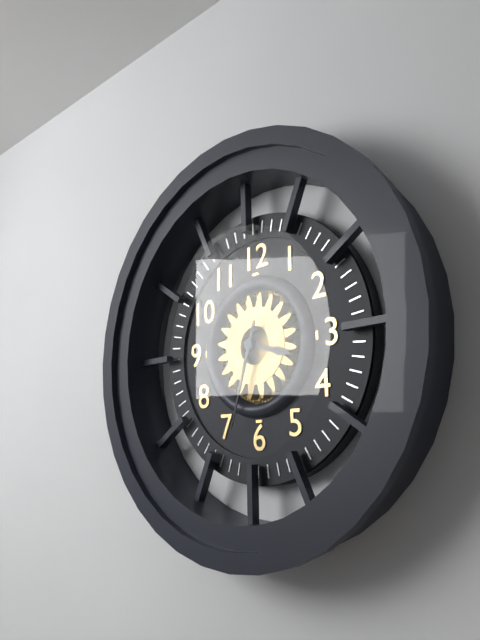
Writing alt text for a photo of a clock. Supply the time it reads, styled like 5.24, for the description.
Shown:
3.33
